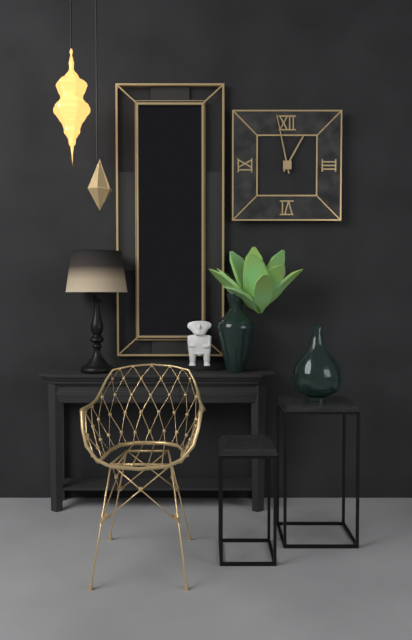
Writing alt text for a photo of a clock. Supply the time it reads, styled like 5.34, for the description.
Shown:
12.58
